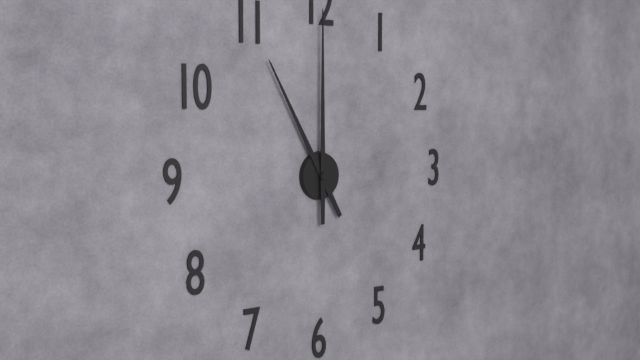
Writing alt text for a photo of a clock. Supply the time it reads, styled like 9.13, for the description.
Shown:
11.00
